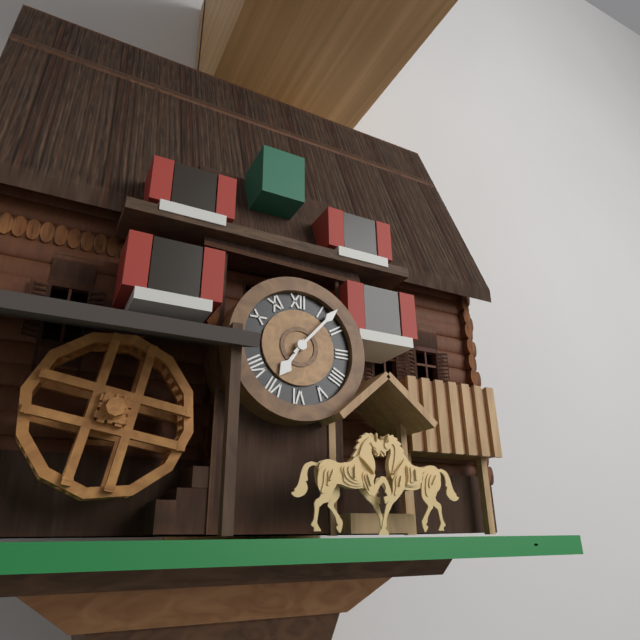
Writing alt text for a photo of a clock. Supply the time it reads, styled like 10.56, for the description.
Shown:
7.07
